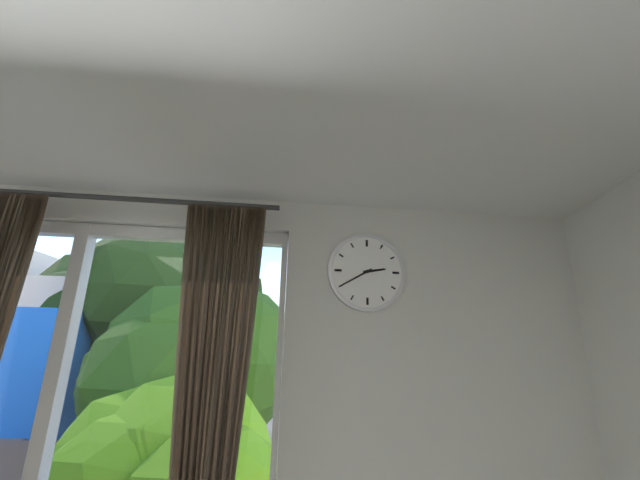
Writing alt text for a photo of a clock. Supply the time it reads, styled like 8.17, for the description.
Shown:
2.40
